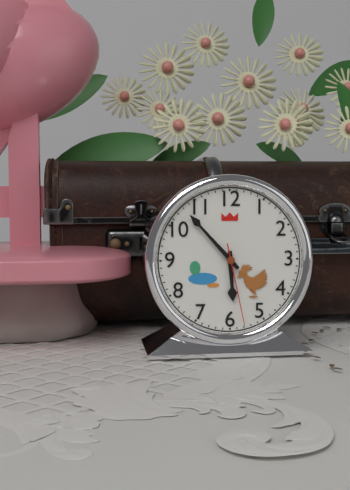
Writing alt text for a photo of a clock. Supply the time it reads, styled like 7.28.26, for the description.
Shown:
5.53.28
